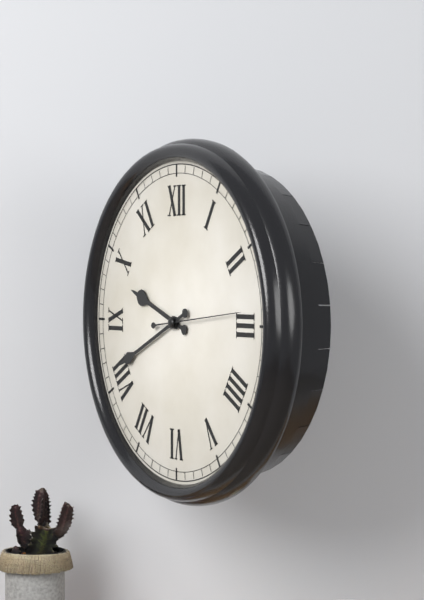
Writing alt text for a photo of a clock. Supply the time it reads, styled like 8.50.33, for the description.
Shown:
9.41.14
